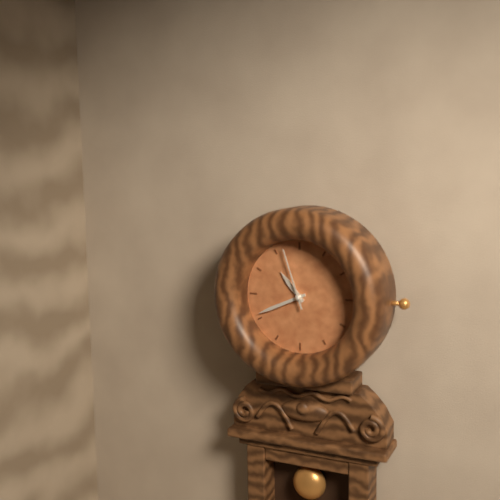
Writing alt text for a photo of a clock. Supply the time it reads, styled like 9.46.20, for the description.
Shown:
10.41.57
